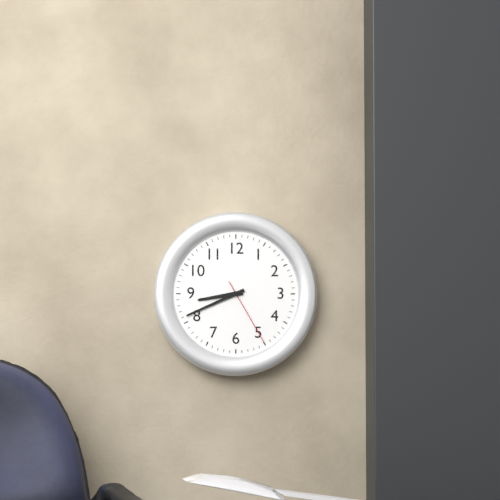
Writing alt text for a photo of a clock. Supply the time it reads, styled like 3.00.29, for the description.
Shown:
8.41.25
